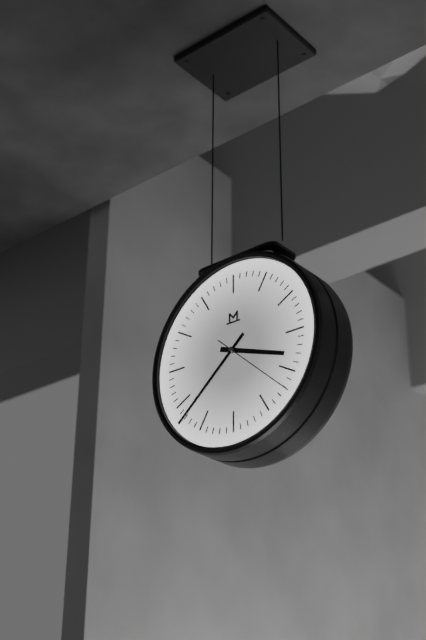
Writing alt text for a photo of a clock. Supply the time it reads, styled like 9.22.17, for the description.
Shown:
3.38.22
